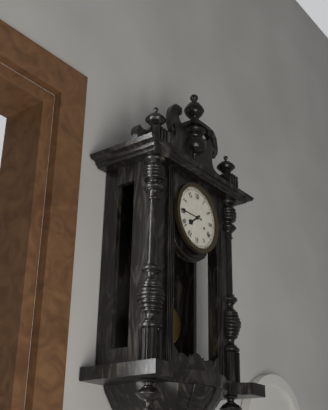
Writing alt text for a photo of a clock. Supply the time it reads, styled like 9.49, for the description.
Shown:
7.45
